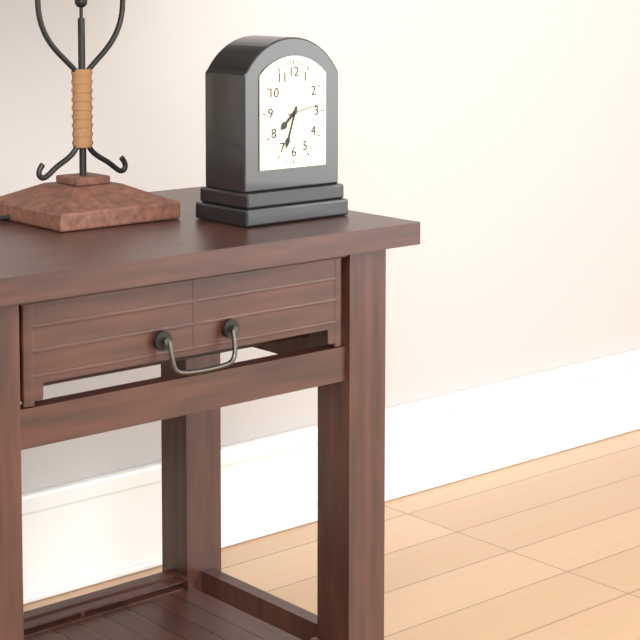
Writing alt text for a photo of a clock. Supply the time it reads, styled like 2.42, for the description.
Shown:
7.33
